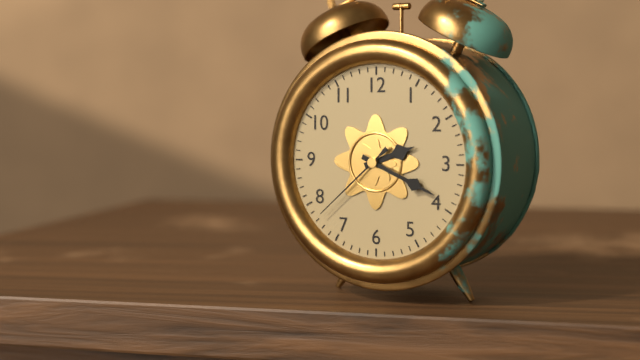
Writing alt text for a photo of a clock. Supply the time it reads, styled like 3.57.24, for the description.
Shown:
2.19.38
